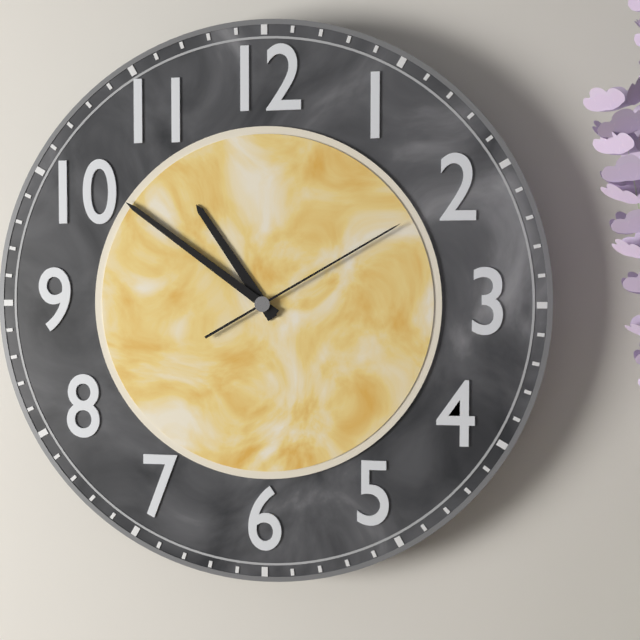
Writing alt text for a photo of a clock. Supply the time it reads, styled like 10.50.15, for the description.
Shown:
10.51.10
